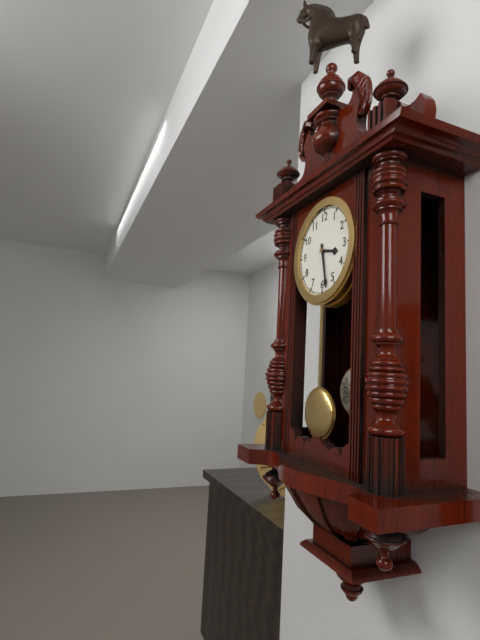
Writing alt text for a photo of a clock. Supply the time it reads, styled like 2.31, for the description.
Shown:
3.28
